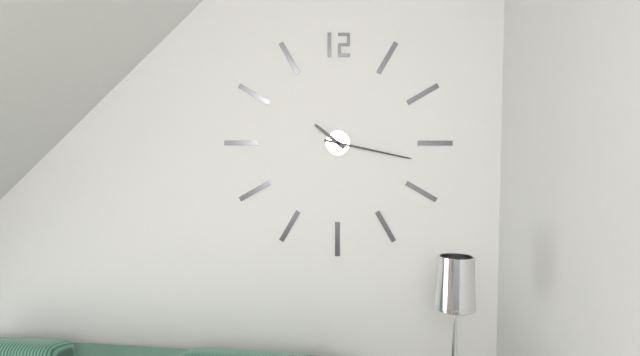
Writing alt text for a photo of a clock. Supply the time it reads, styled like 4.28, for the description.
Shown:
10.17
